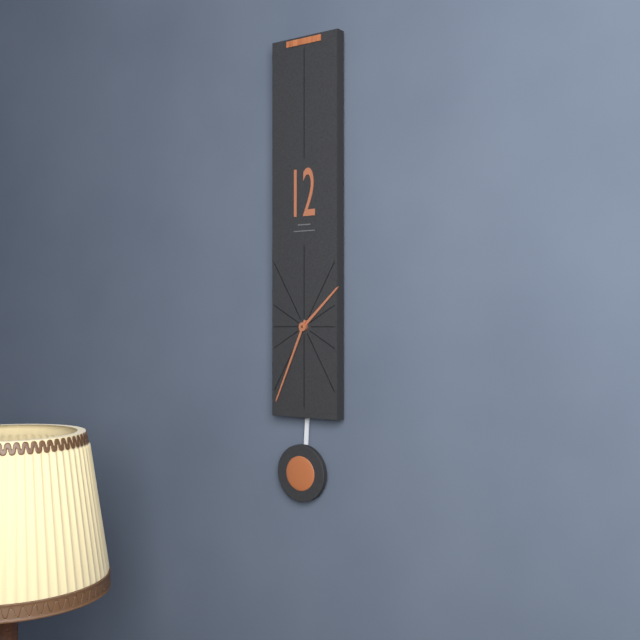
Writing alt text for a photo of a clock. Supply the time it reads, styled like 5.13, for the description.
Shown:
1.34
